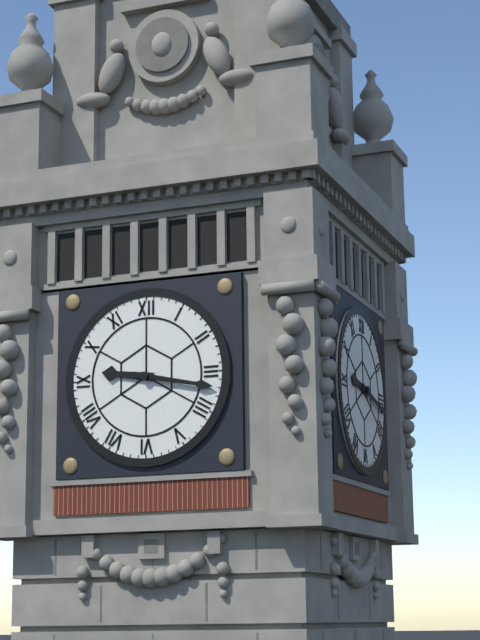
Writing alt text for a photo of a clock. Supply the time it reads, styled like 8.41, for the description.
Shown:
9.17
